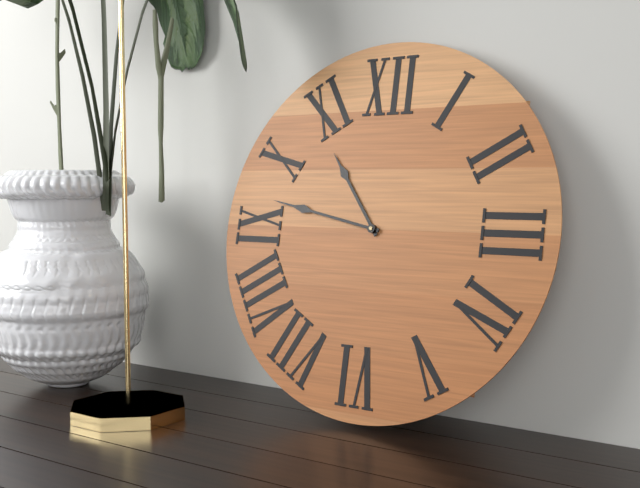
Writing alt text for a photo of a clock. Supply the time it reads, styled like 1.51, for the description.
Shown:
10.47
